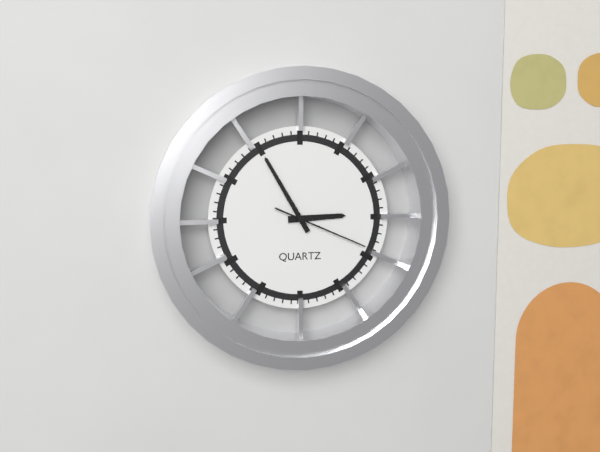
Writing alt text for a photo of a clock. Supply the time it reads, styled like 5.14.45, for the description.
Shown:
2.55.19
